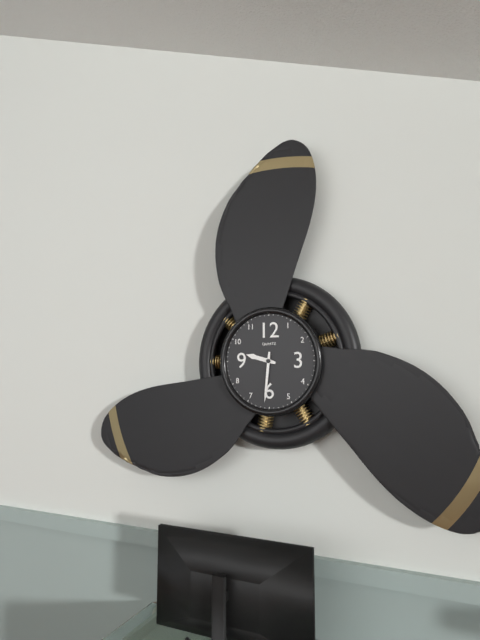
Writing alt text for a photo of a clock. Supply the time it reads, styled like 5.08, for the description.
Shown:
9.31
